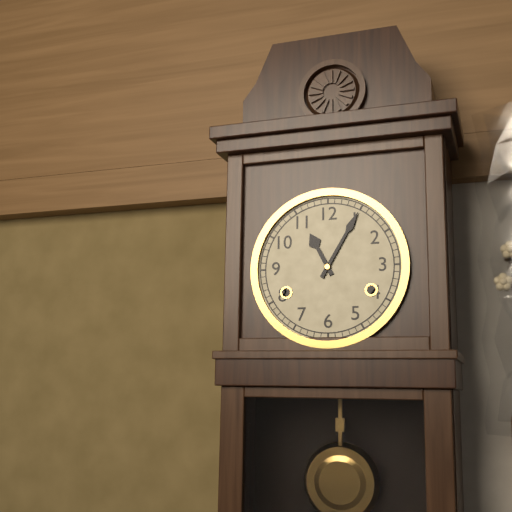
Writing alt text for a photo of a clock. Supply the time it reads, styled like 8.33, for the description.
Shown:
11.05
